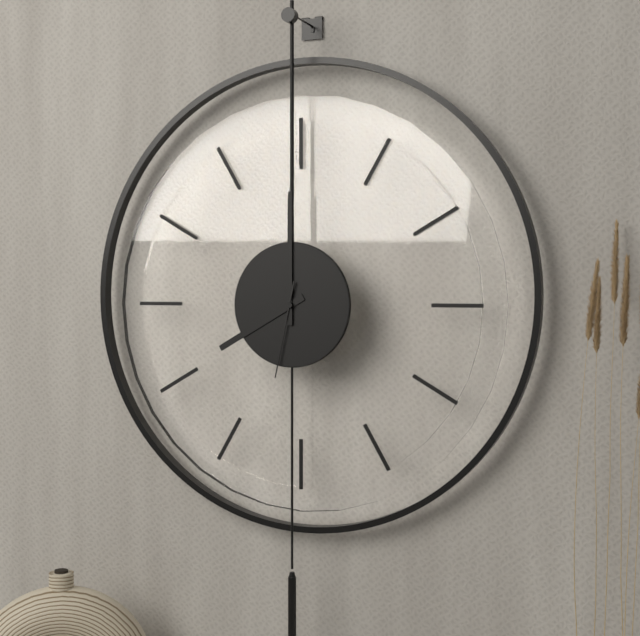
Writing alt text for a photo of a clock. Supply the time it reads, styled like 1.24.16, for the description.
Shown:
8.00.32
